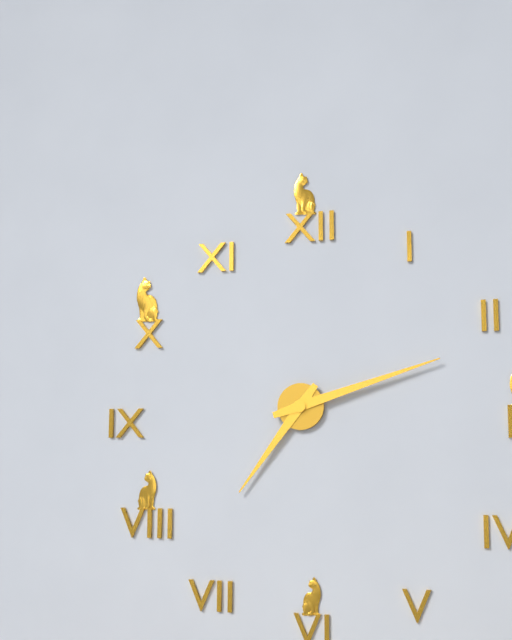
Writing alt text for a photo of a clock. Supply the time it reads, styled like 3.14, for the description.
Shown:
7.12
